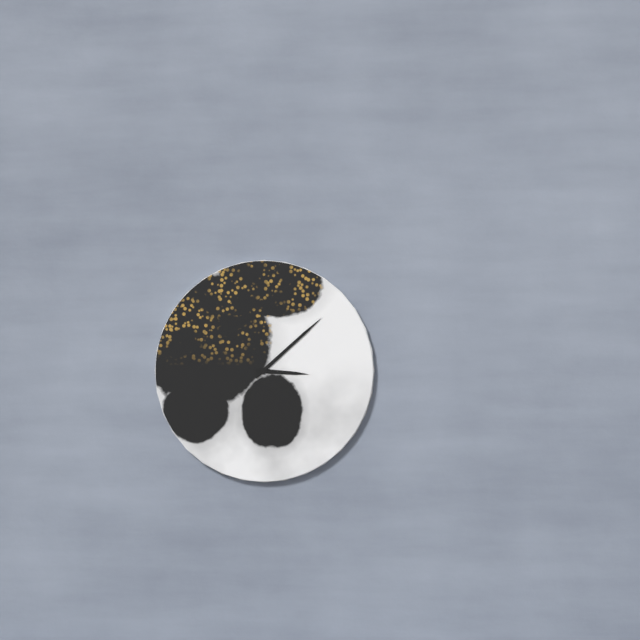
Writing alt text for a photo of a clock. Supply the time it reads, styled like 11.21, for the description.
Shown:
3.08
